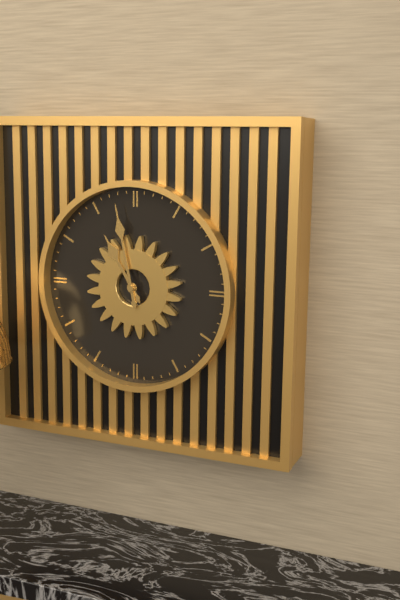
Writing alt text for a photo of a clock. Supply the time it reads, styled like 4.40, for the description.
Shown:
10.58
